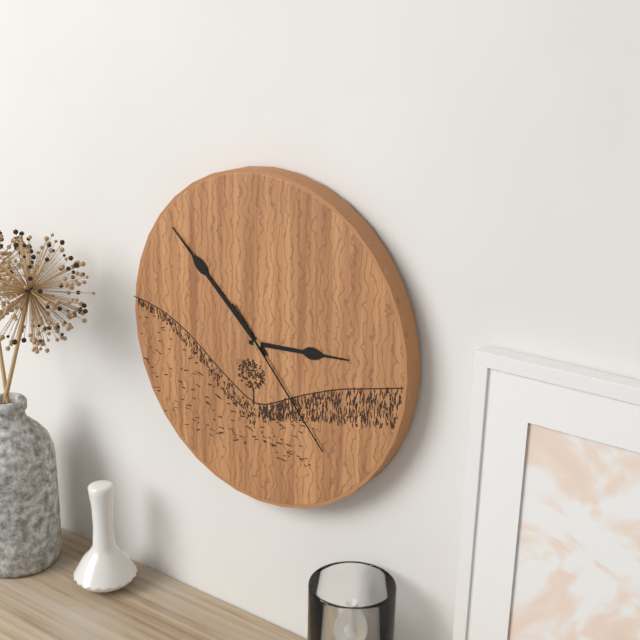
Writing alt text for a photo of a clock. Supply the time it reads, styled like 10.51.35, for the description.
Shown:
2.52.23
